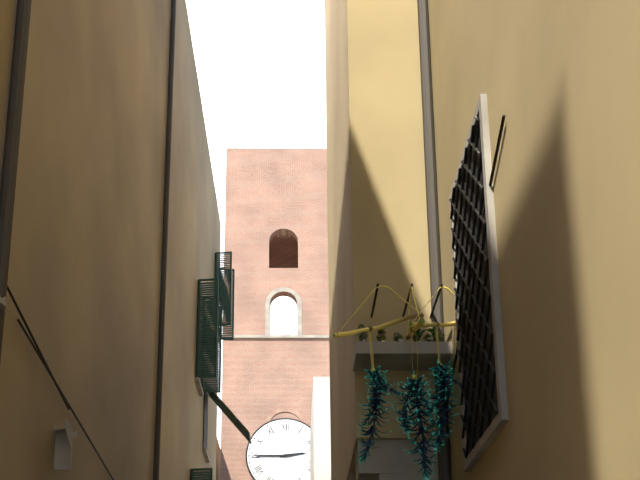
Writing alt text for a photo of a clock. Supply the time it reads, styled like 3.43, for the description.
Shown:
2.45
